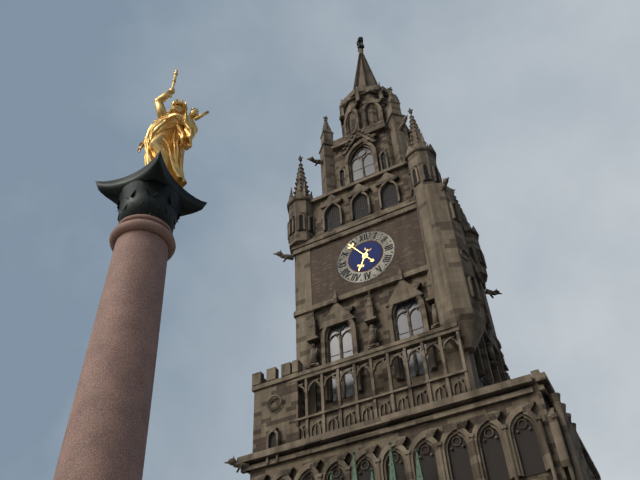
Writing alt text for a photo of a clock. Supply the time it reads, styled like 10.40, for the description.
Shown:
6.54
